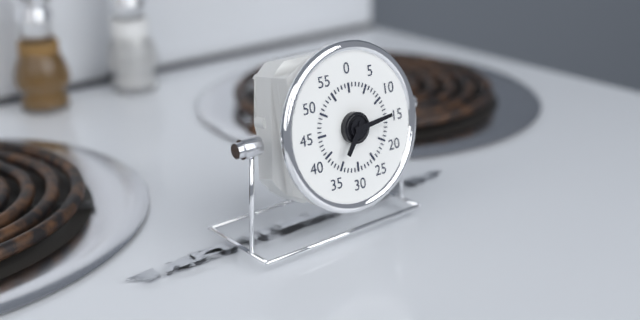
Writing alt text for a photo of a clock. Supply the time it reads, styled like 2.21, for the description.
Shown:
7.14
